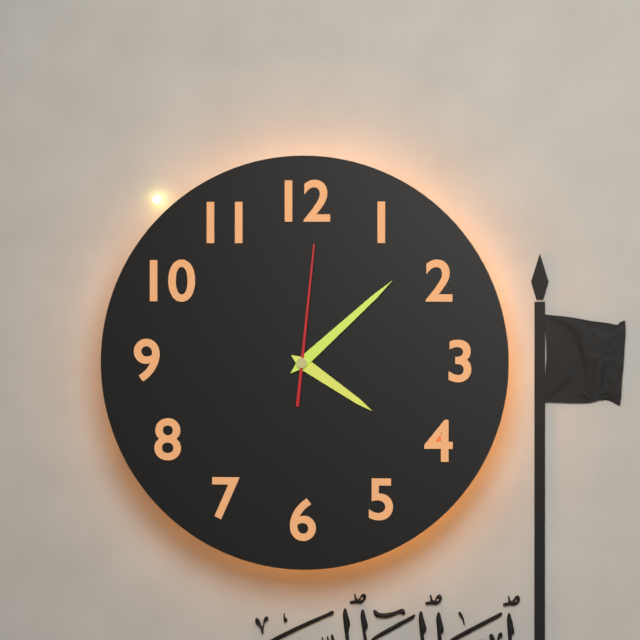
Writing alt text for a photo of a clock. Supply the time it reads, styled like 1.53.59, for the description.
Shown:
4.08.01
